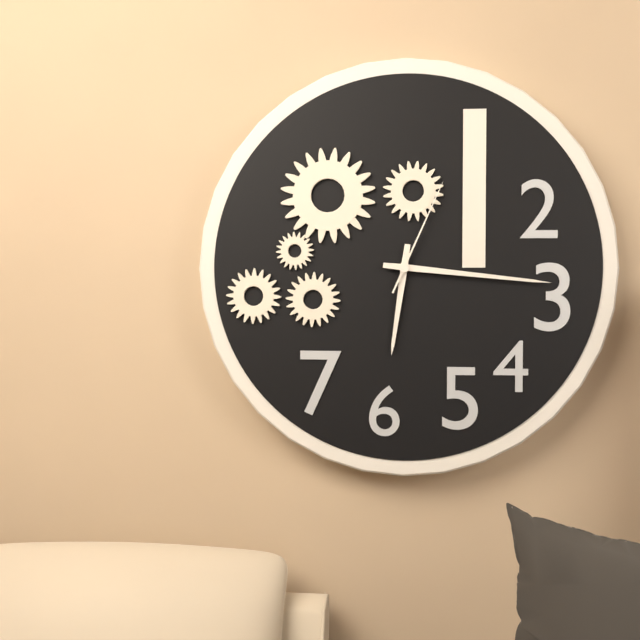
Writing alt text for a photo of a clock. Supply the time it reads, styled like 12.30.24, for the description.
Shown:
6.16.04
